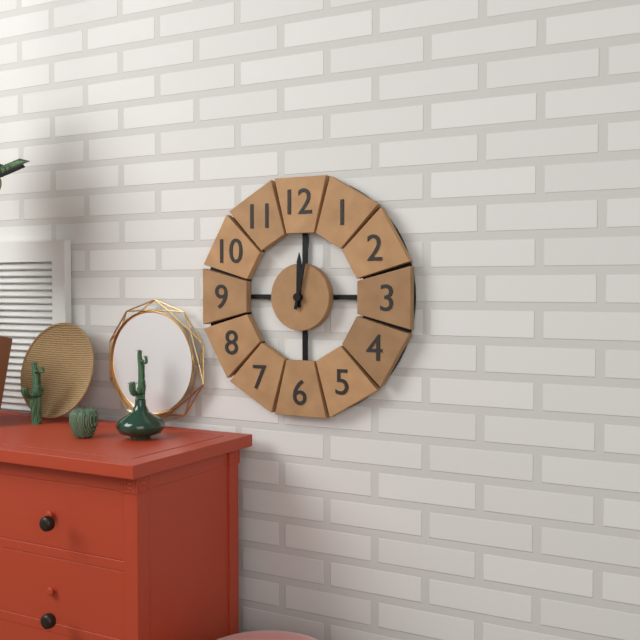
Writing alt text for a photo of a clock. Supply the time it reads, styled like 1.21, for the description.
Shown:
12.02
